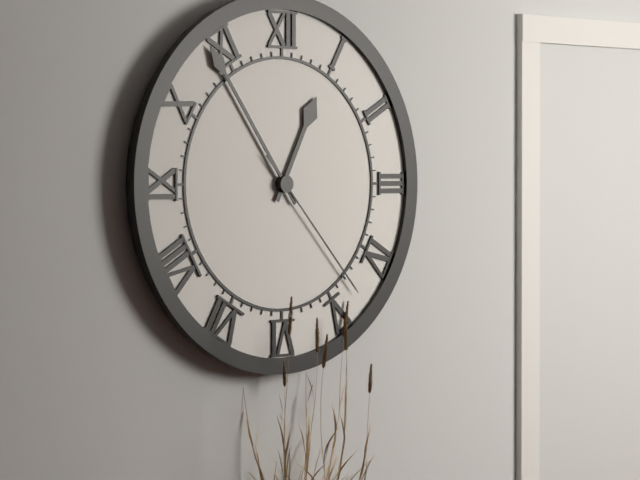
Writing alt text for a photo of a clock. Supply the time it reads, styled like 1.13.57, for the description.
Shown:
12.54.23
